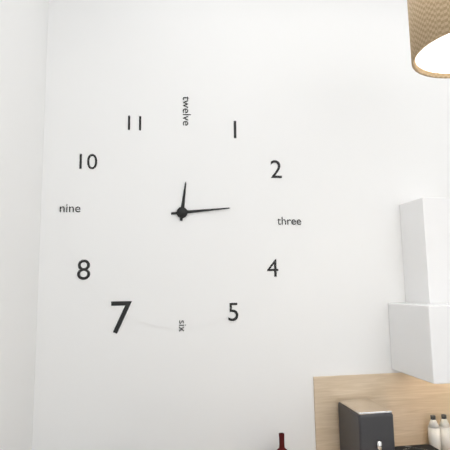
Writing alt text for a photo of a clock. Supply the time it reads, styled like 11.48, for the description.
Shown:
12.14
